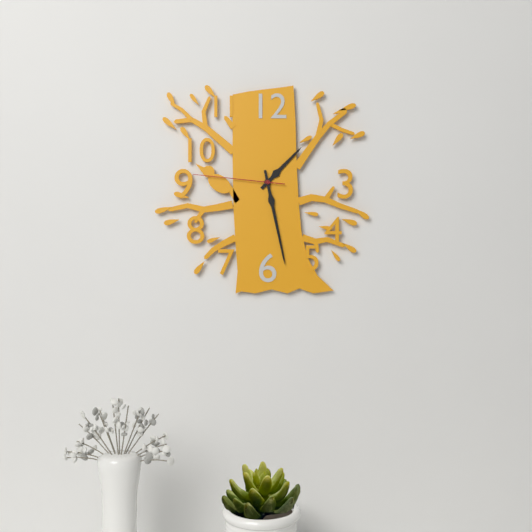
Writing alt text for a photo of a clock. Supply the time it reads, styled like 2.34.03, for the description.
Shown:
1.28.46
